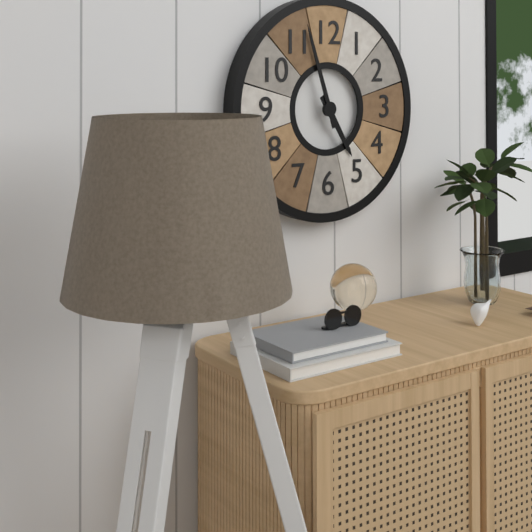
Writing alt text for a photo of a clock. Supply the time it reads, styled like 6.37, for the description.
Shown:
4.57
